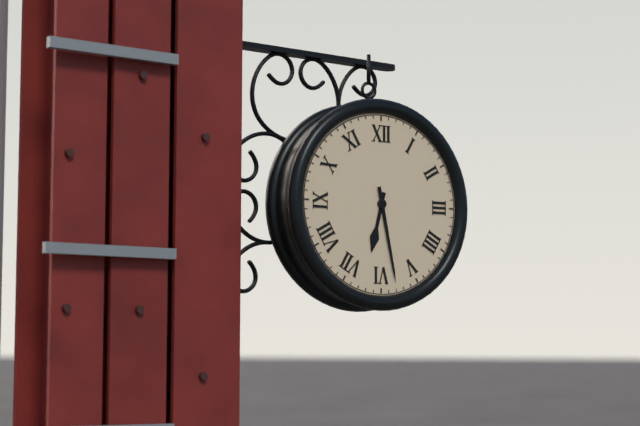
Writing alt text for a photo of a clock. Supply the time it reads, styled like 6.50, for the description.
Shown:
6.28
